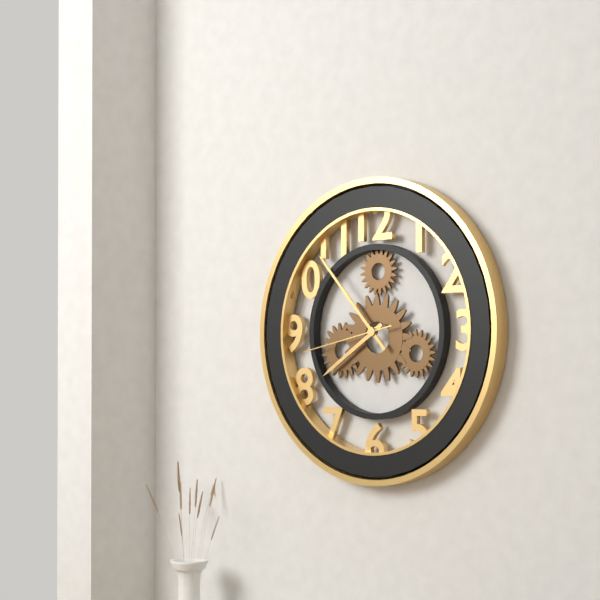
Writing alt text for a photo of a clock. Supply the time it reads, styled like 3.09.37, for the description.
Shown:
7.53.43
